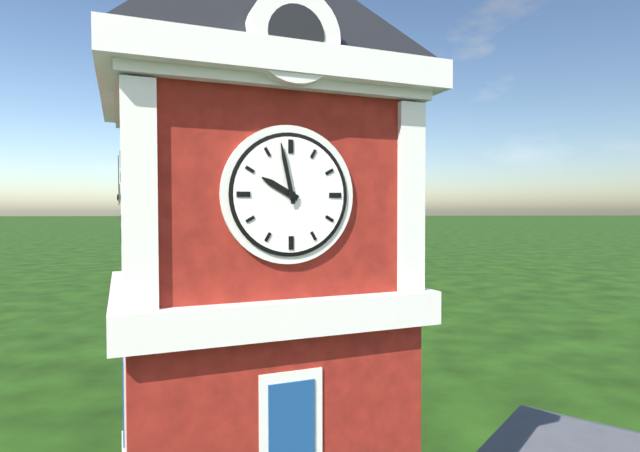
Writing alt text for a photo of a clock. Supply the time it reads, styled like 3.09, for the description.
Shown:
9.58
